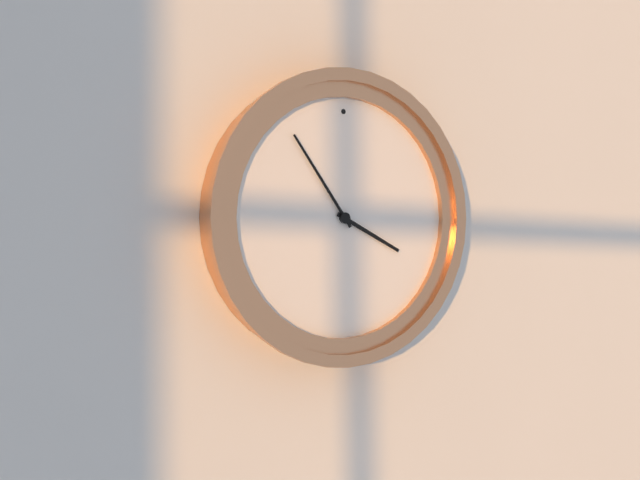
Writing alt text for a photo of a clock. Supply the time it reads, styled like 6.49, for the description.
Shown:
3.54
